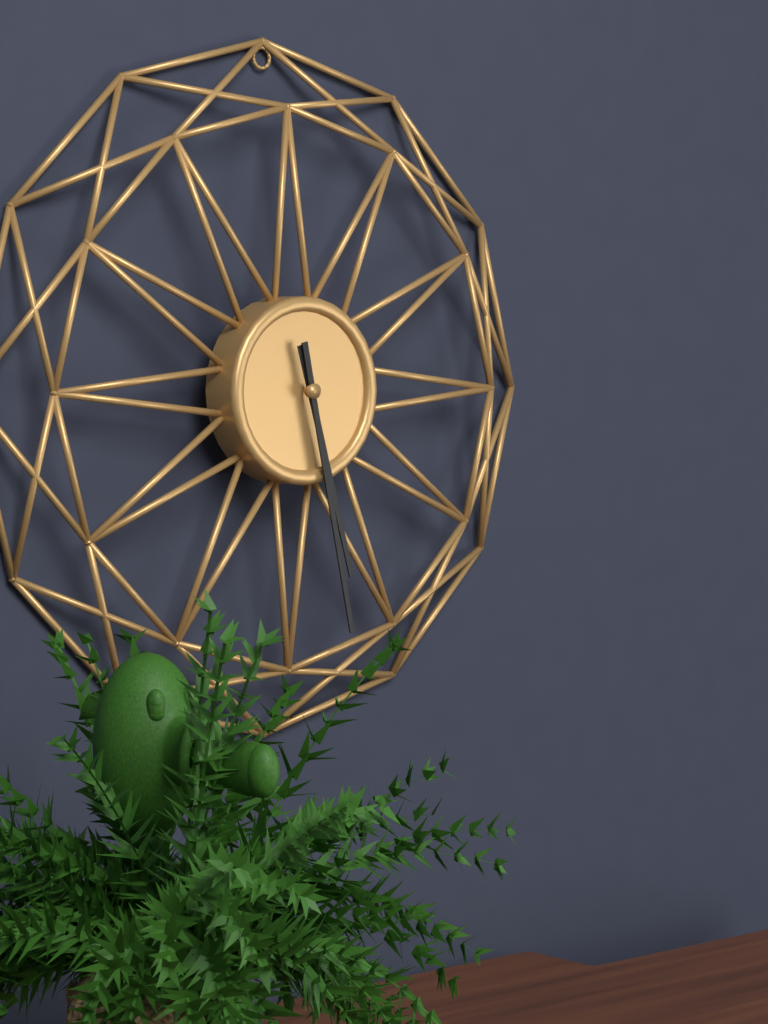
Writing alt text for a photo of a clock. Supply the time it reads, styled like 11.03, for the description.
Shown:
5.28
